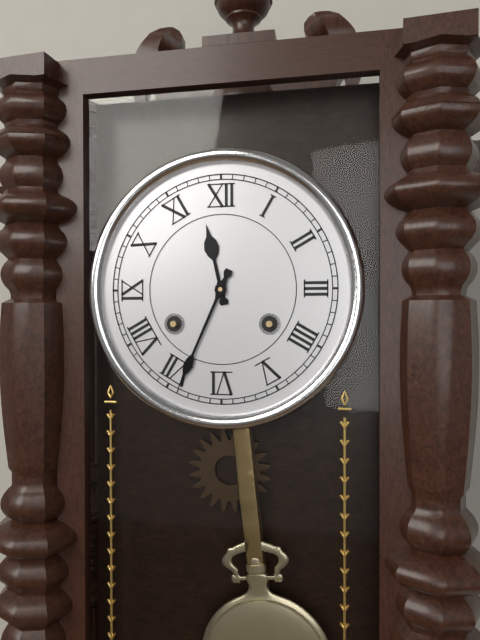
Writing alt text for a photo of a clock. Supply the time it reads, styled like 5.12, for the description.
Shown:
11.34
